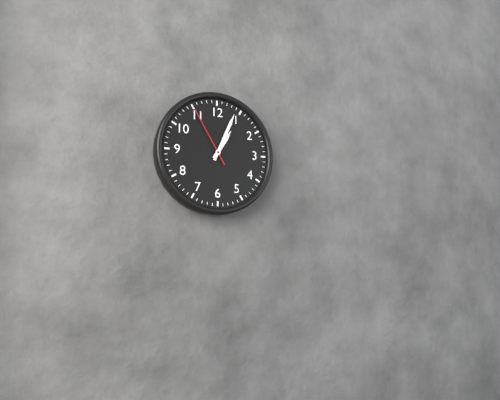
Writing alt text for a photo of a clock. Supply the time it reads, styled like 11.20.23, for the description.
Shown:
1.04.55
